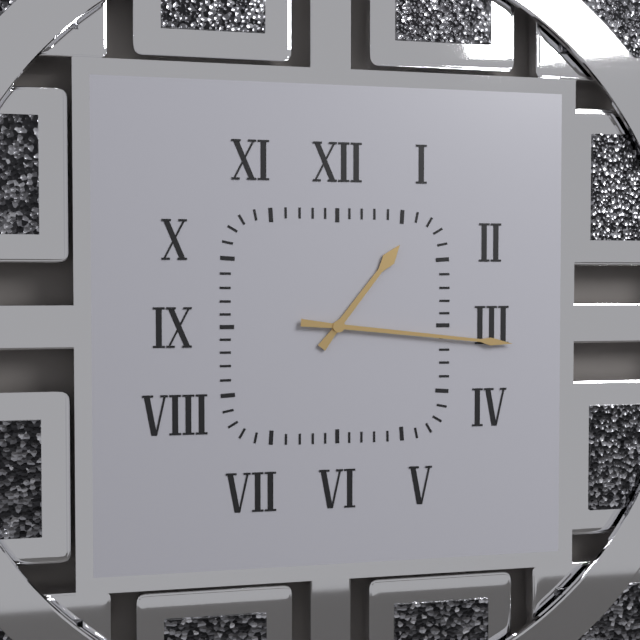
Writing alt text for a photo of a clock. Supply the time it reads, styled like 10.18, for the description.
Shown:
1.16
